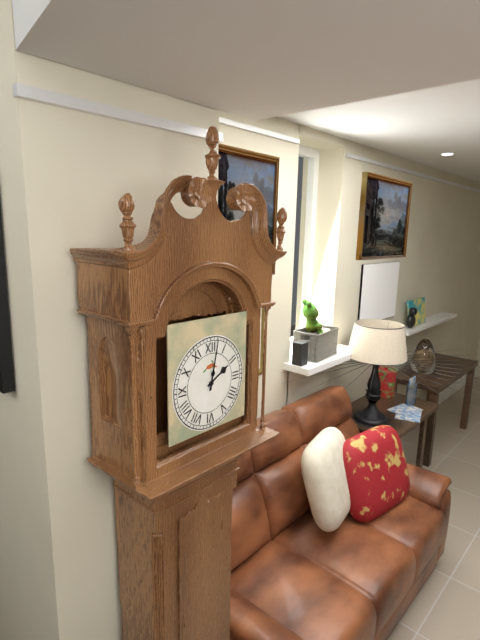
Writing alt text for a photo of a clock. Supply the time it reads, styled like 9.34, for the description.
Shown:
2.02
